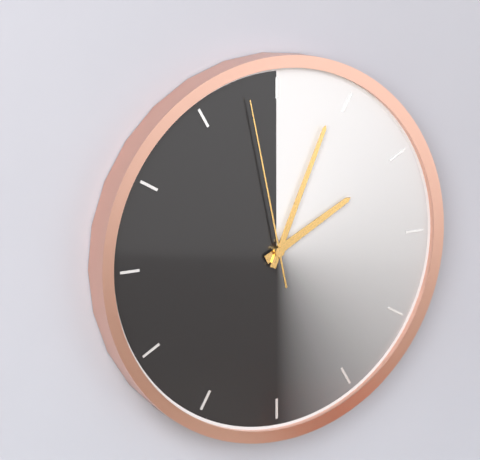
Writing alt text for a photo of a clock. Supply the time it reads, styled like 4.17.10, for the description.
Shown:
2.04.58
